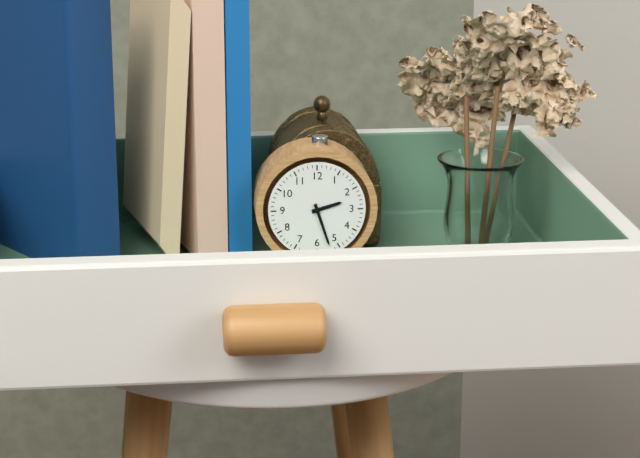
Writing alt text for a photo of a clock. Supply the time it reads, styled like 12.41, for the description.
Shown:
2.27
